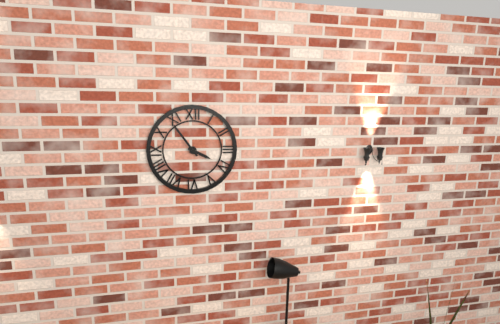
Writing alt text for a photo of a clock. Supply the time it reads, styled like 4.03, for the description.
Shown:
3.54
